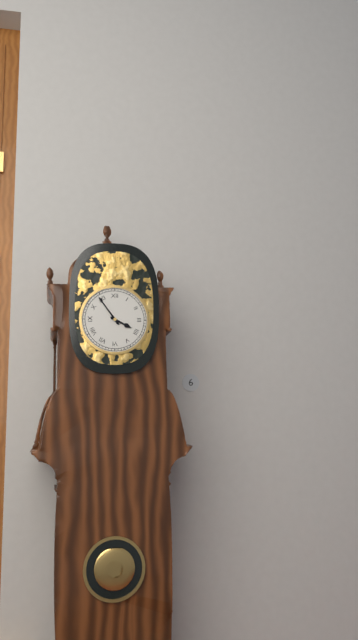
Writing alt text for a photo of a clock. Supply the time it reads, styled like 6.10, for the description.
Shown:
3.54
